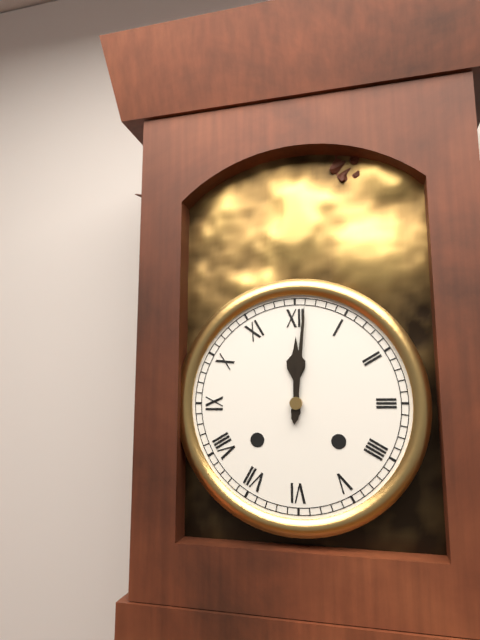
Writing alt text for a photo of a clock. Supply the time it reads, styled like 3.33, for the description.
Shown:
12.01
